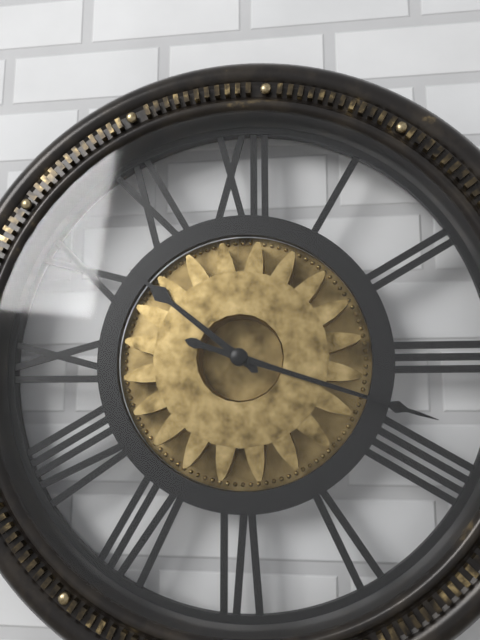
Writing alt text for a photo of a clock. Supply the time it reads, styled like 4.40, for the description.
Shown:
10.18
